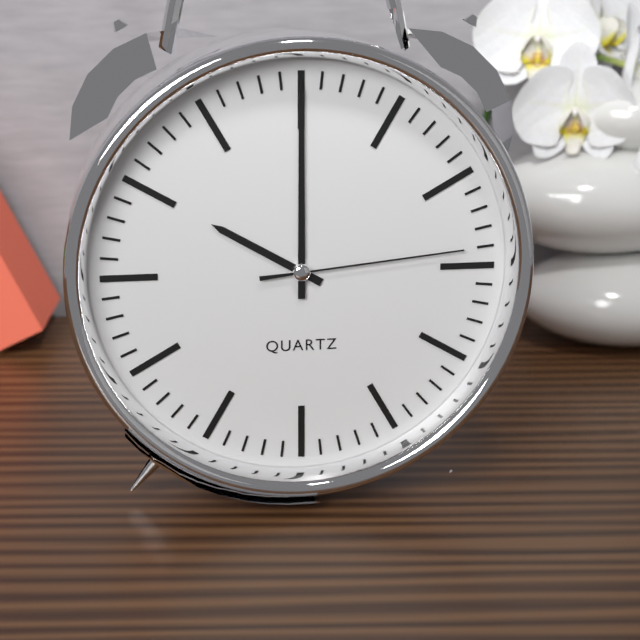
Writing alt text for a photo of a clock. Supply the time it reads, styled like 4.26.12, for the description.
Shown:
10.00.14
